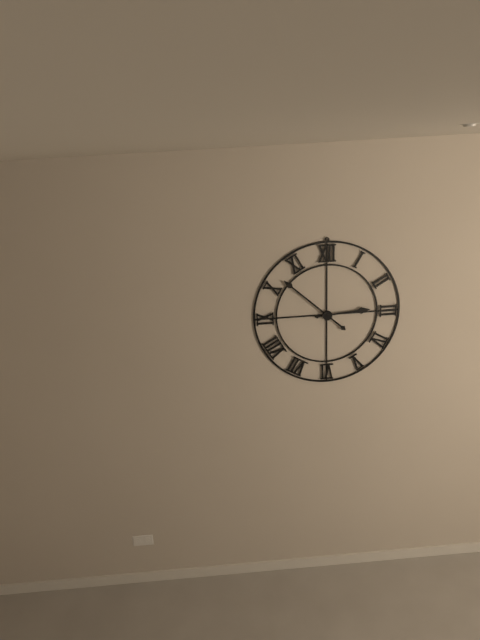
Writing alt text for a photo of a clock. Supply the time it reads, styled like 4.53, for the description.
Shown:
2.52
